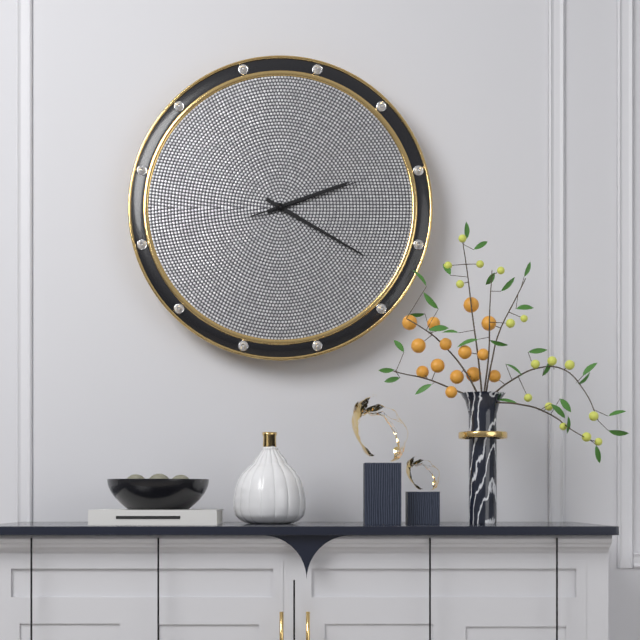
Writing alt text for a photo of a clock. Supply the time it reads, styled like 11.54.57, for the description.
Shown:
2.20.12
